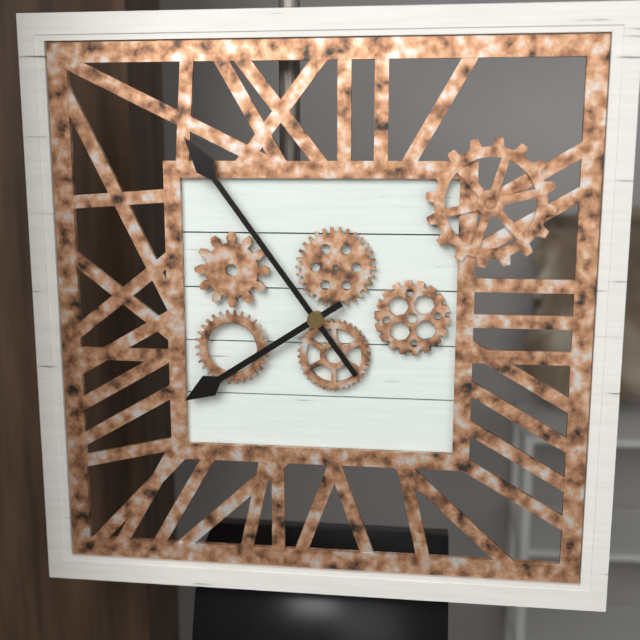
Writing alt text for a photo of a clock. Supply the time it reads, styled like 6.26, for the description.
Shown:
7.54
